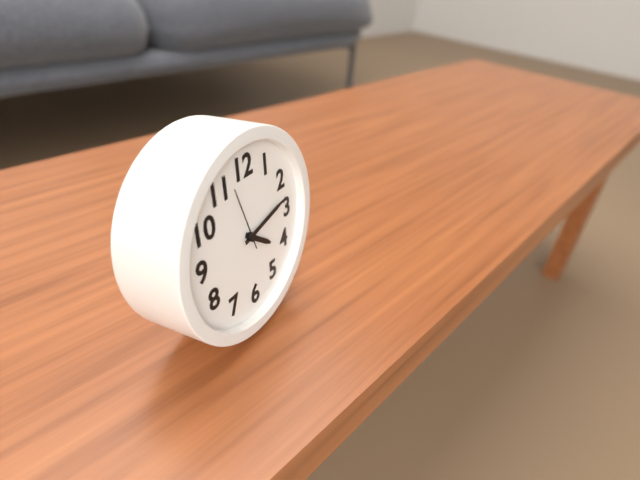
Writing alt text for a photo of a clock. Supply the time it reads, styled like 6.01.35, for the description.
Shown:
4.13.57
